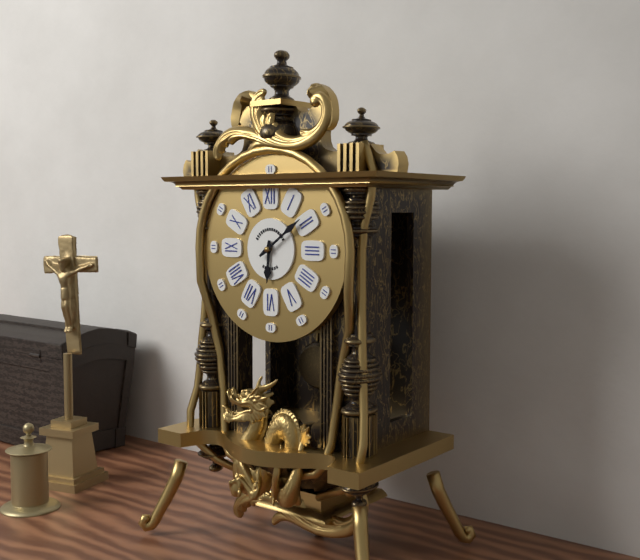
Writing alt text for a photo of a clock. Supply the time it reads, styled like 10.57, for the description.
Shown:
6.09
